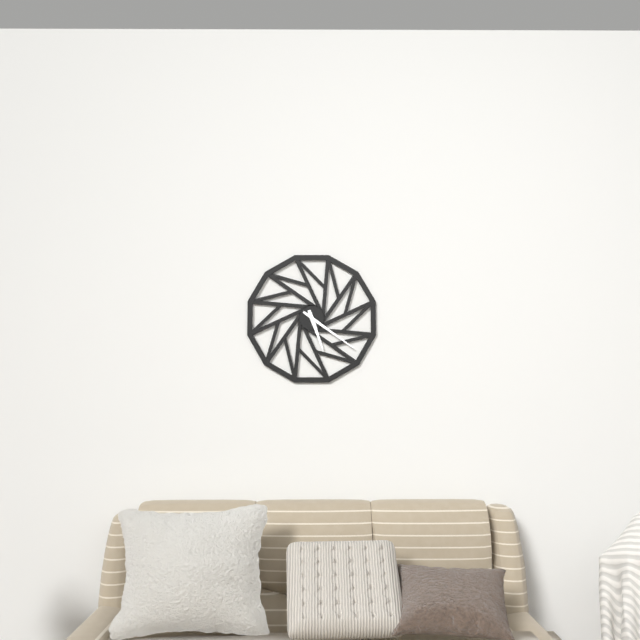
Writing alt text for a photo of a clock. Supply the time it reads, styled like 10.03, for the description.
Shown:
5.21
